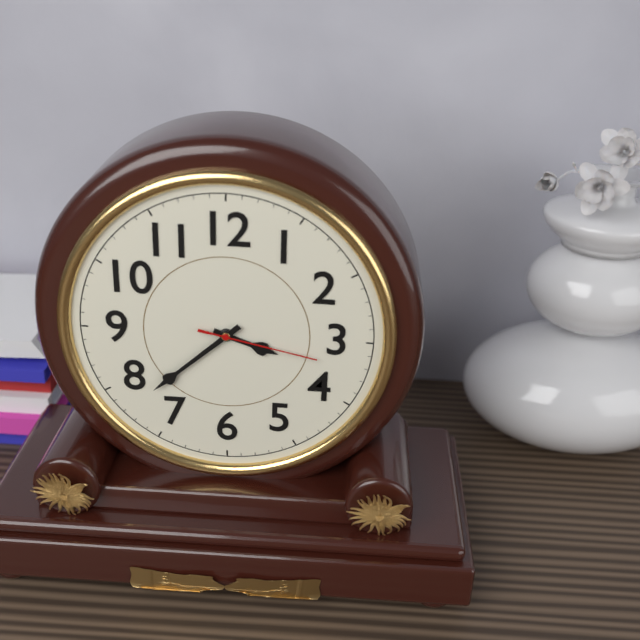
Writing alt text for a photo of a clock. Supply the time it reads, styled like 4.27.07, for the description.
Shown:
3.38.17
